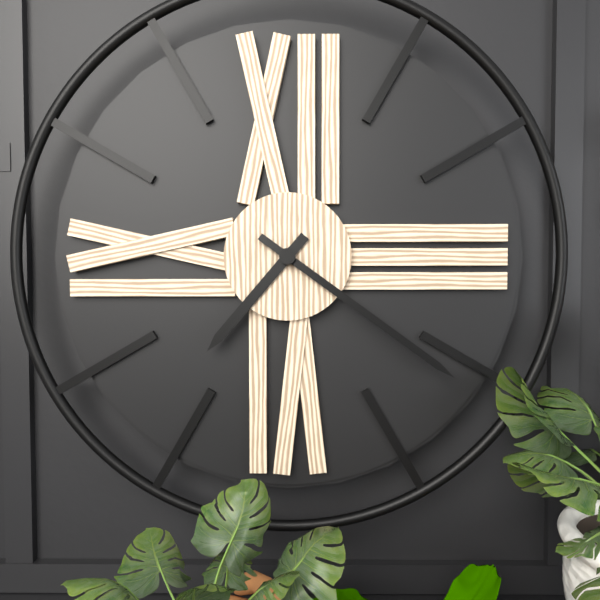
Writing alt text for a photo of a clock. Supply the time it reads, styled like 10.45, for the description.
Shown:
7.21
